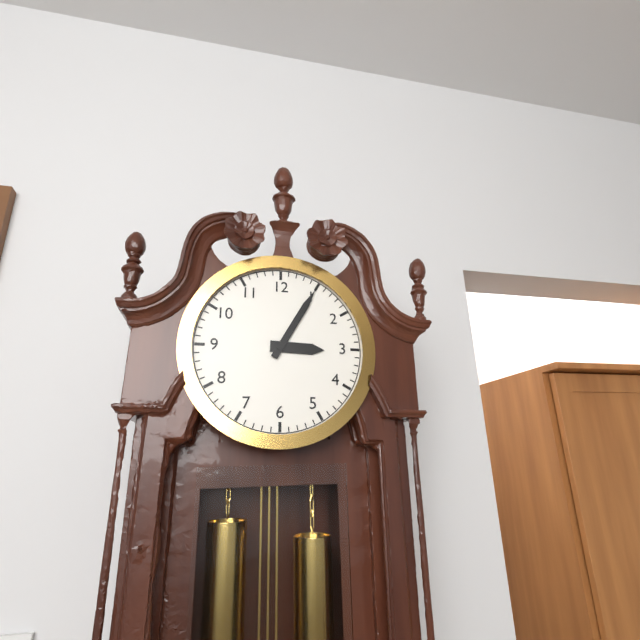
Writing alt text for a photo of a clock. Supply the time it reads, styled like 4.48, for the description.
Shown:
3.05
